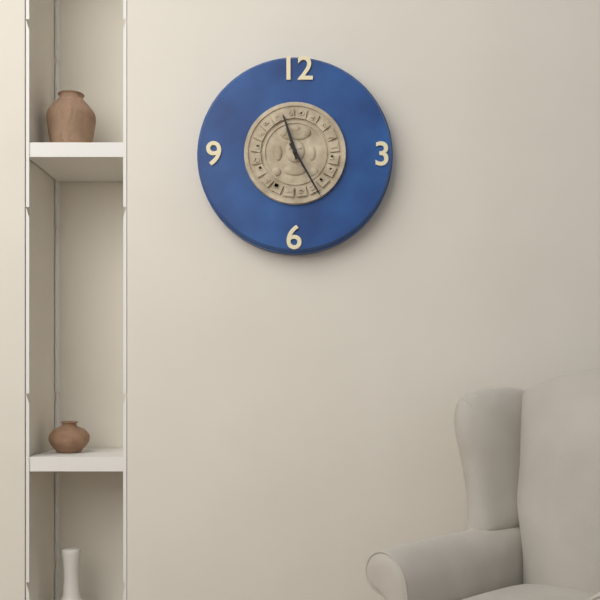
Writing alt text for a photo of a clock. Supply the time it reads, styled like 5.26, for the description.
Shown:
11.25
